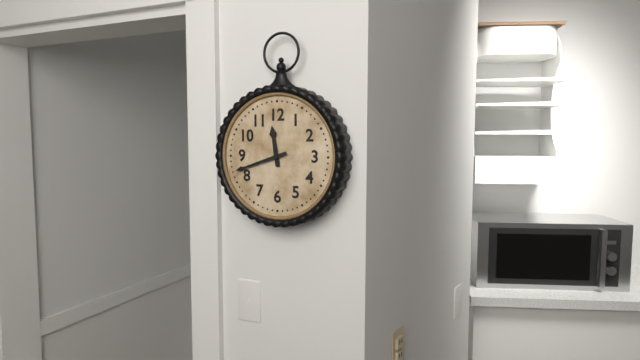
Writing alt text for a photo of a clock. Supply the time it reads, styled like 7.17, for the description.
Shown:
11.42
